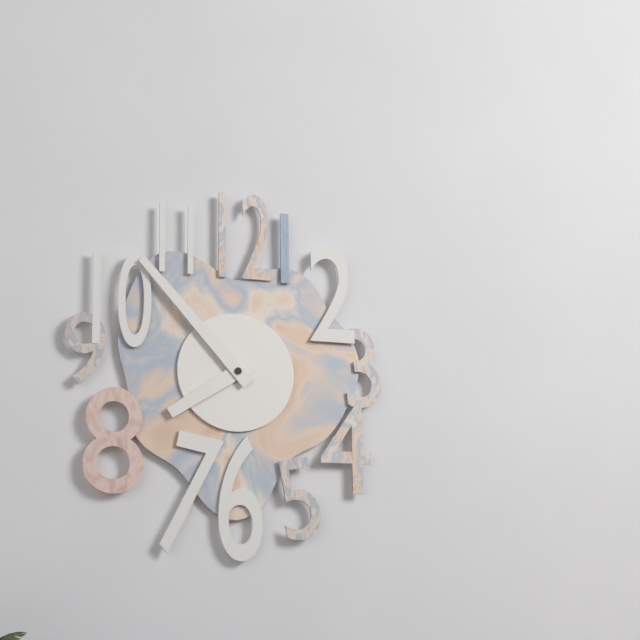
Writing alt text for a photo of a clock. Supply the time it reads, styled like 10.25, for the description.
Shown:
7.53
